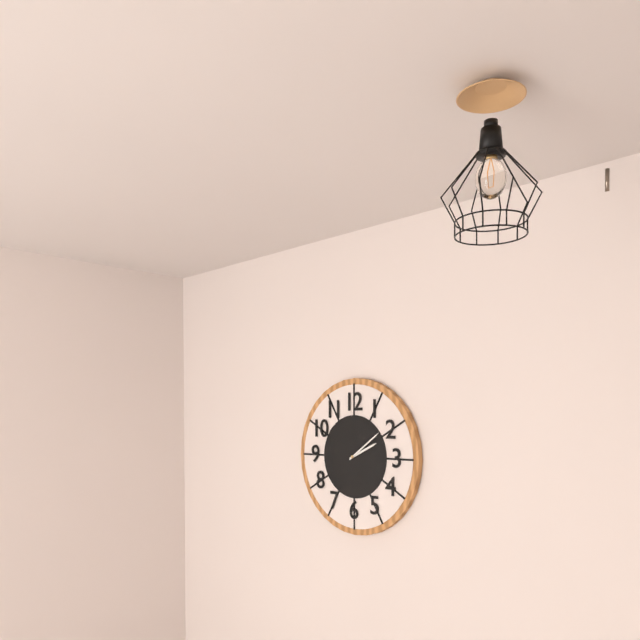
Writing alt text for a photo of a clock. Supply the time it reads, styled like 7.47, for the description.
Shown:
2.09
